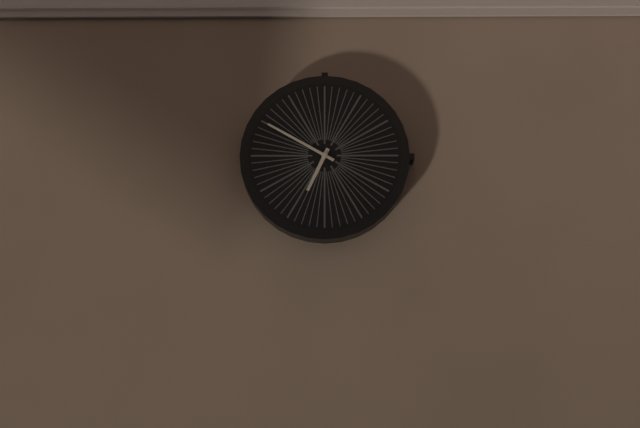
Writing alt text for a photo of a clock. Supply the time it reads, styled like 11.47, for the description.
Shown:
6.50
